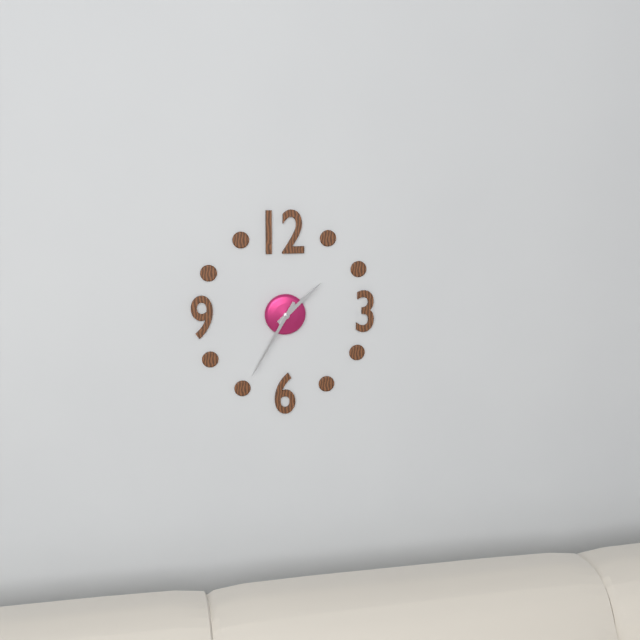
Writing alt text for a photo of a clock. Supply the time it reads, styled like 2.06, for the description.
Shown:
1.35
